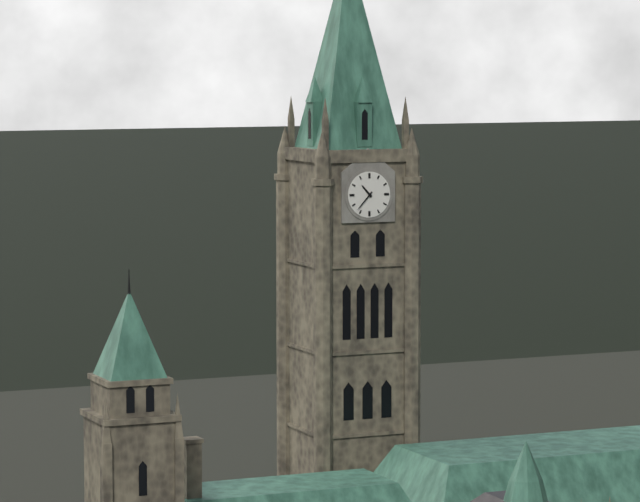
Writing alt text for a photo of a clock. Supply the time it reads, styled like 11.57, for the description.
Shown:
10.37
